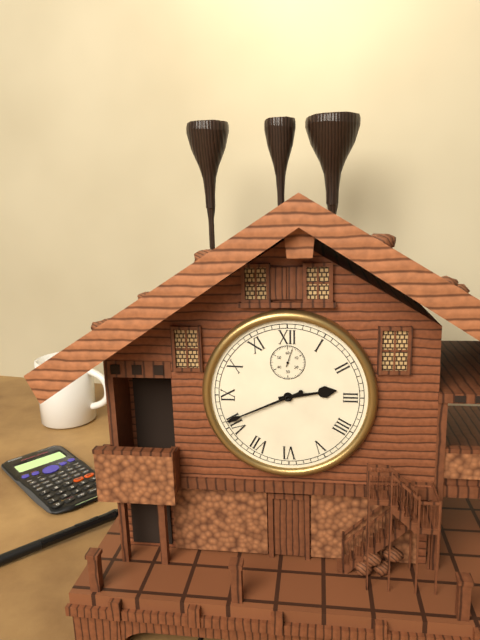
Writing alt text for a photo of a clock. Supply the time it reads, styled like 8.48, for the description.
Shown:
2.41
